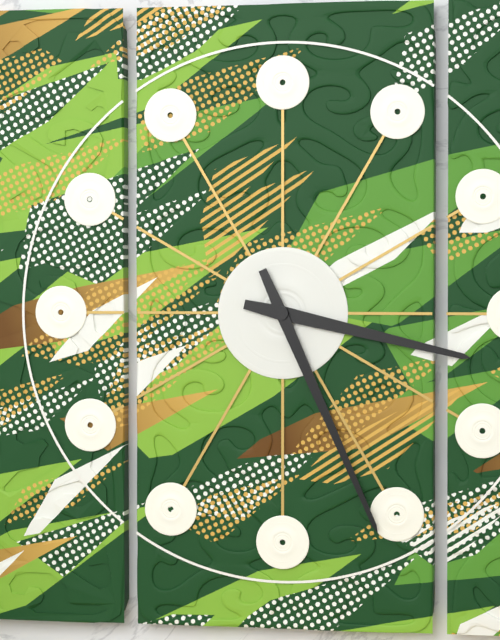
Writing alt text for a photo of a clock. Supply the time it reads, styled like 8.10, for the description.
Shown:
3.26
